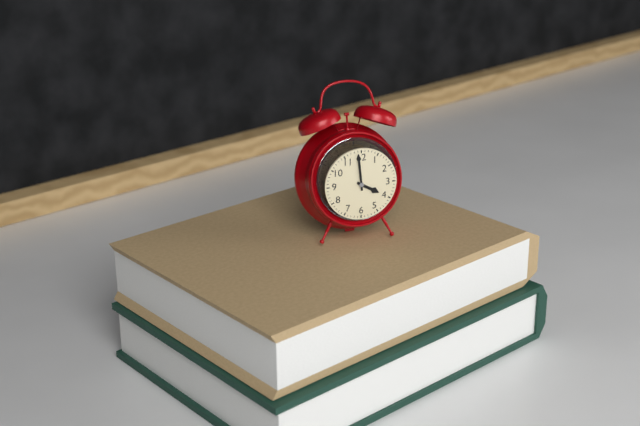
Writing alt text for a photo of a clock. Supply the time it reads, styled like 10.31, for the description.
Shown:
3.59
